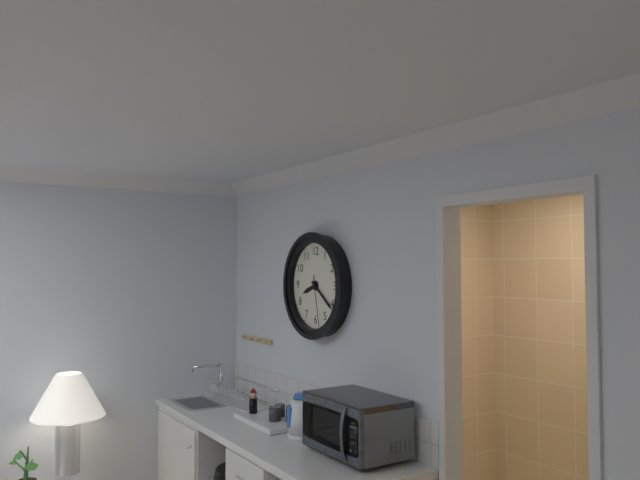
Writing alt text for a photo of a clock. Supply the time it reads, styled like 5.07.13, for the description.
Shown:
8.21.28
